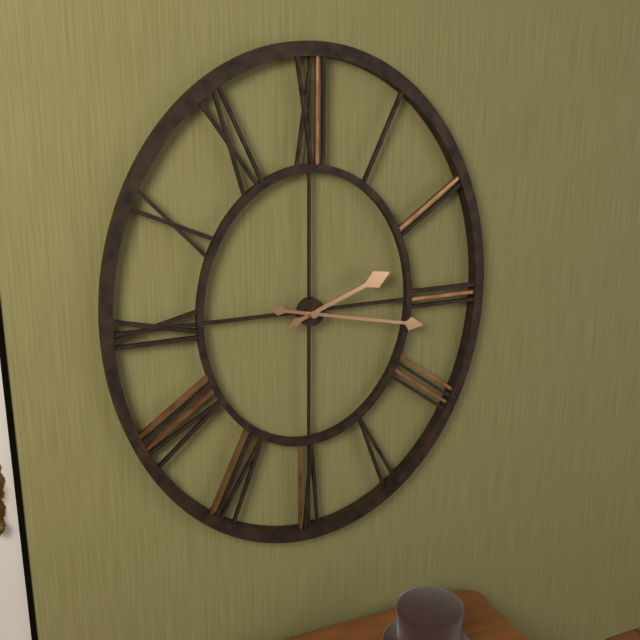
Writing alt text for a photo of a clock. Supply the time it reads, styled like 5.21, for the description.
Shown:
2.17
